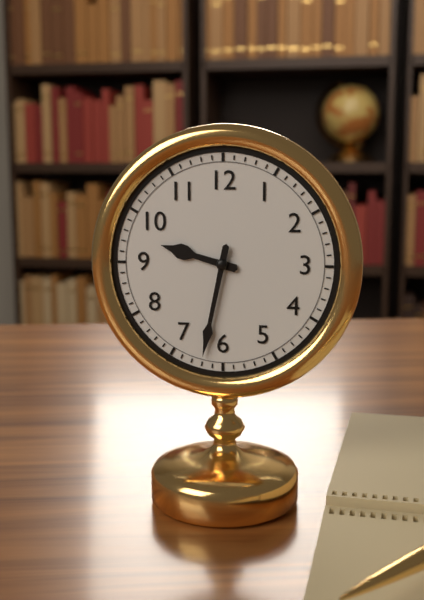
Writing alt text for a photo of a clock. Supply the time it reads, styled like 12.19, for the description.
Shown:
9.32
